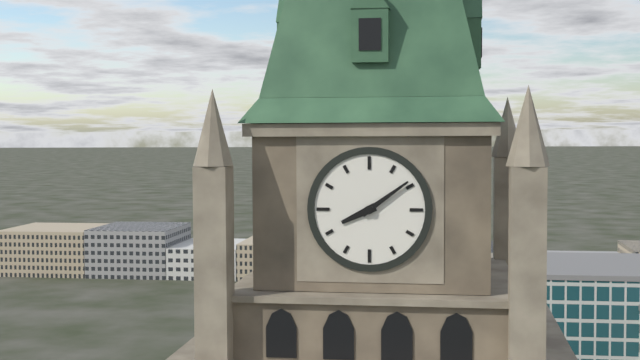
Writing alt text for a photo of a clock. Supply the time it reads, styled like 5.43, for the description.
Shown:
8.09
